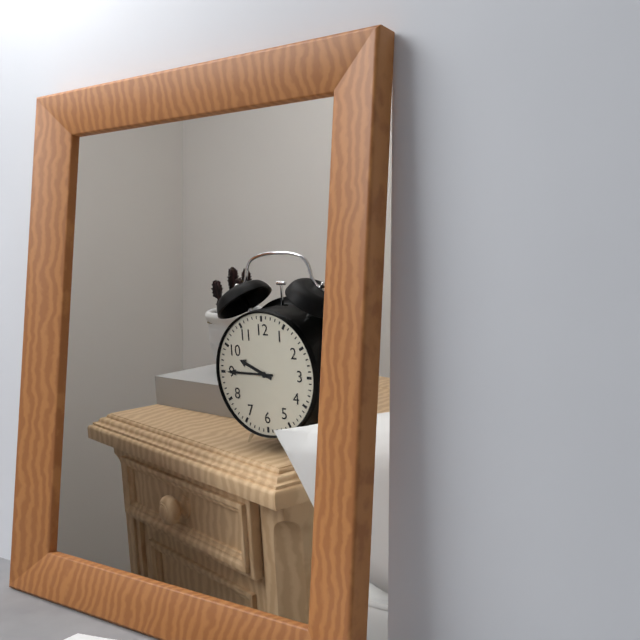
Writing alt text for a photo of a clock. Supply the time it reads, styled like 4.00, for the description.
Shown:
9.45
